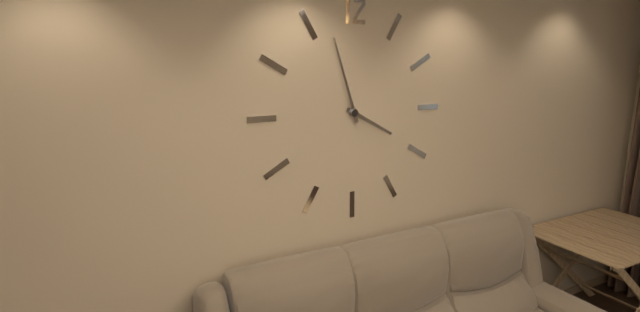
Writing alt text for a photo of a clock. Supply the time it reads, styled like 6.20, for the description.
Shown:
3.57
